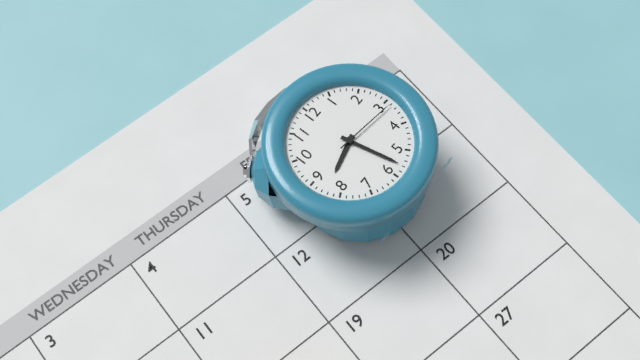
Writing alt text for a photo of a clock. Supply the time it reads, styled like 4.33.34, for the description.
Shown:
8.28.16
